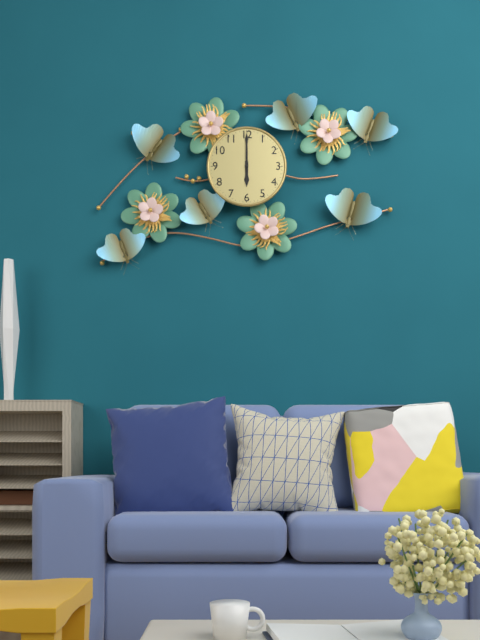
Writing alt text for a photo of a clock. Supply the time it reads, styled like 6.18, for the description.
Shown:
6.00
